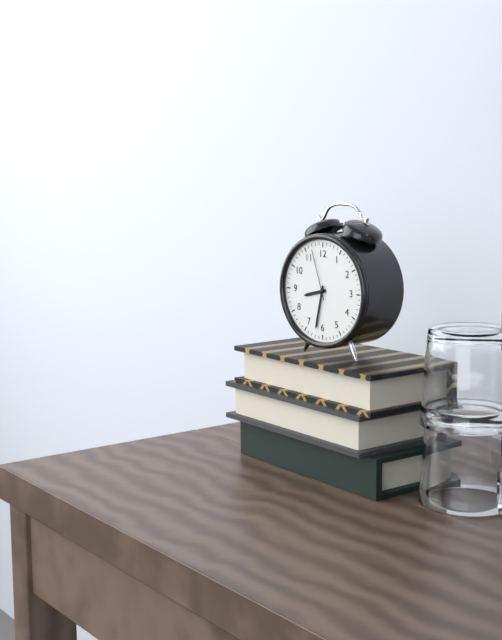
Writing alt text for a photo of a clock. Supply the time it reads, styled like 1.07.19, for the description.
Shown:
8.32.57
